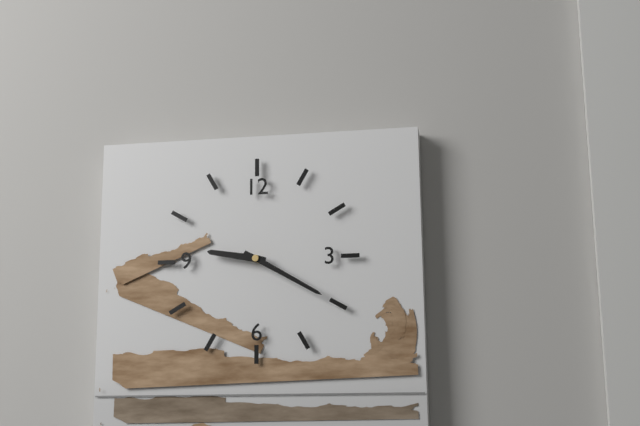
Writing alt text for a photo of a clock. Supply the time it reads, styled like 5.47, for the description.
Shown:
9.20
